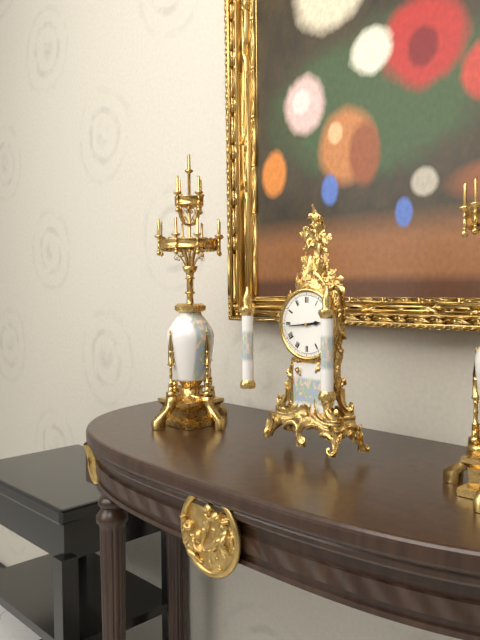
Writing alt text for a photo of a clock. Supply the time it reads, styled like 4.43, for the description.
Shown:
2.44
